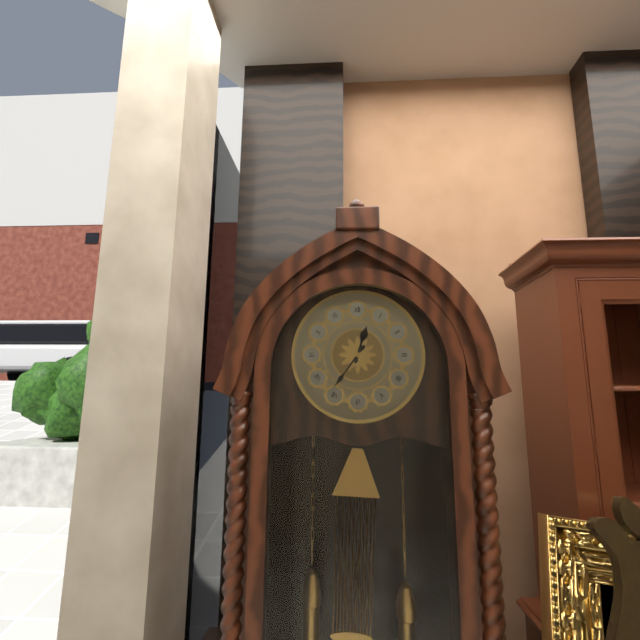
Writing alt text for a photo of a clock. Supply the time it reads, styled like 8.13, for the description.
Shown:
12.36
